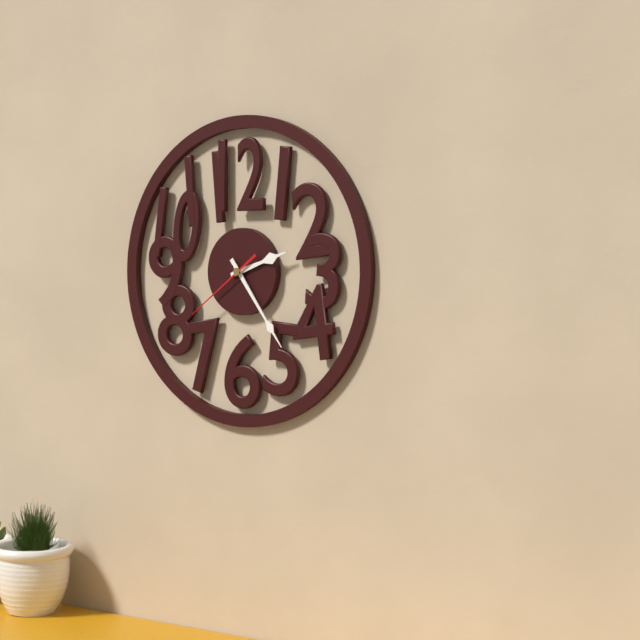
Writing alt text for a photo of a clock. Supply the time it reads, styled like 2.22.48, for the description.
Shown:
2.24.39
